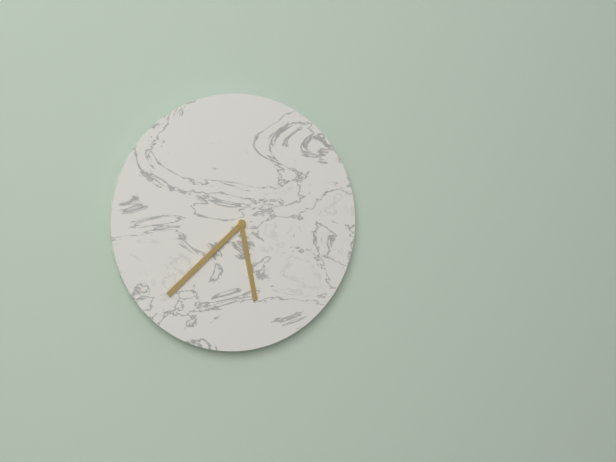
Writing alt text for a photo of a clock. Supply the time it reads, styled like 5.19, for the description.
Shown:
5.38
